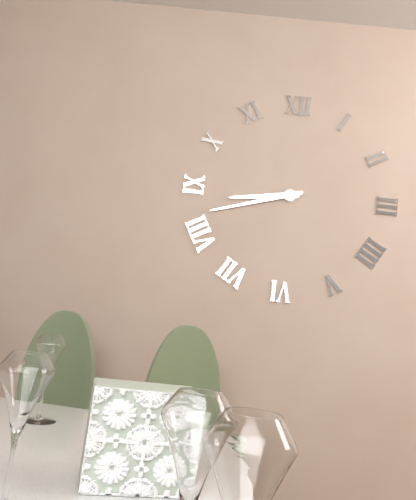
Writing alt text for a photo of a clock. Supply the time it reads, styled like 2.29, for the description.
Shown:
8.42
